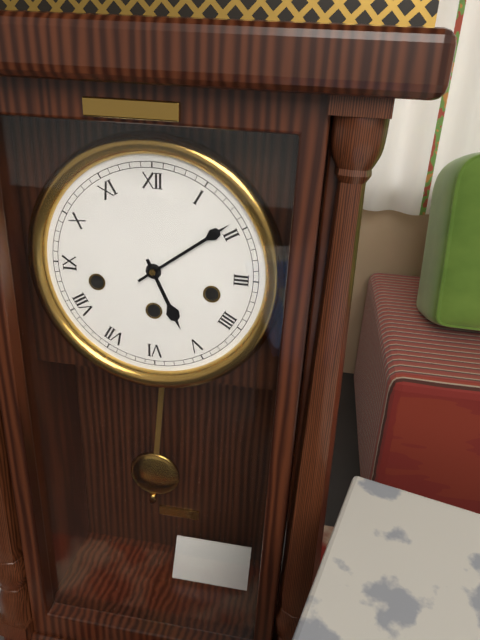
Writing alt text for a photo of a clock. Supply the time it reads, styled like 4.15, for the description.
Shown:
5.09
